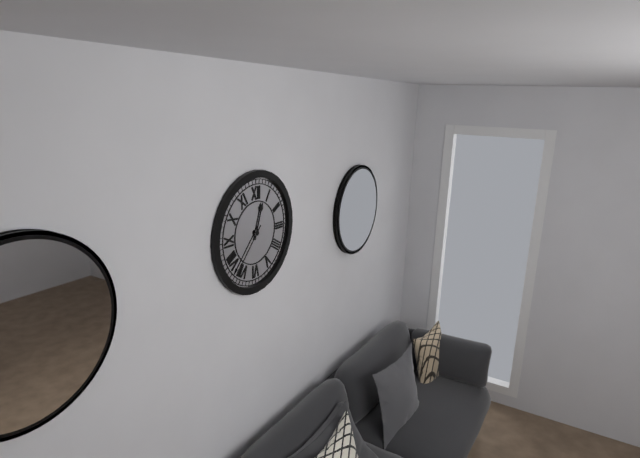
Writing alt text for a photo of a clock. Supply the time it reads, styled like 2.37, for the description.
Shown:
12.37
